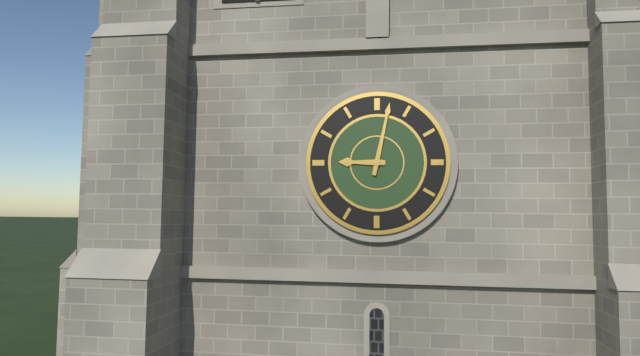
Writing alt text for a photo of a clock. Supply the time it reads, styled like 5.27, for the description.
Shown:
9.02
